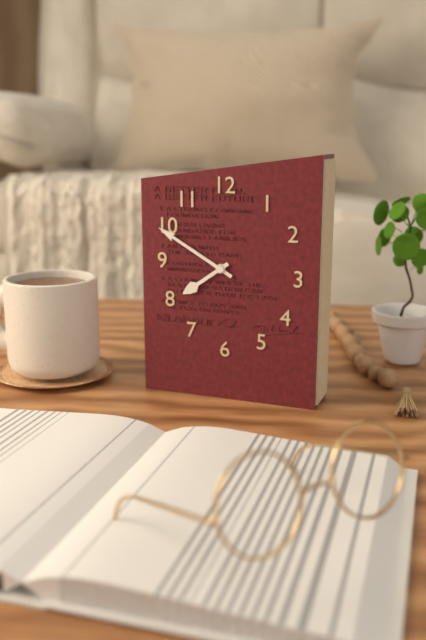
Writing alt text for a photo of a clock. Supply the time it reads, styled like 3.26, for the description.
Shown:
7.50
